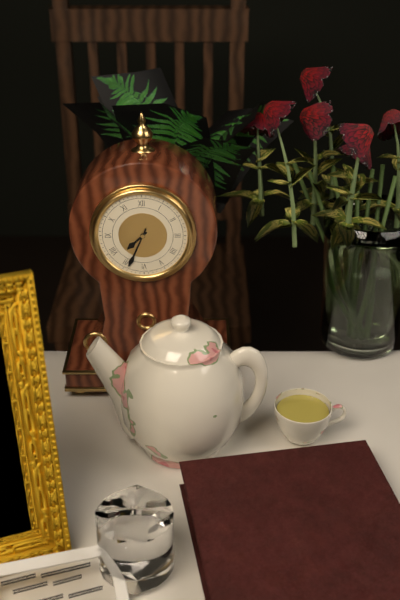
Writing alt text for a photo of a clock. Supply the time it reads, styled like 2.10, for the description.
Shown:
7.34
